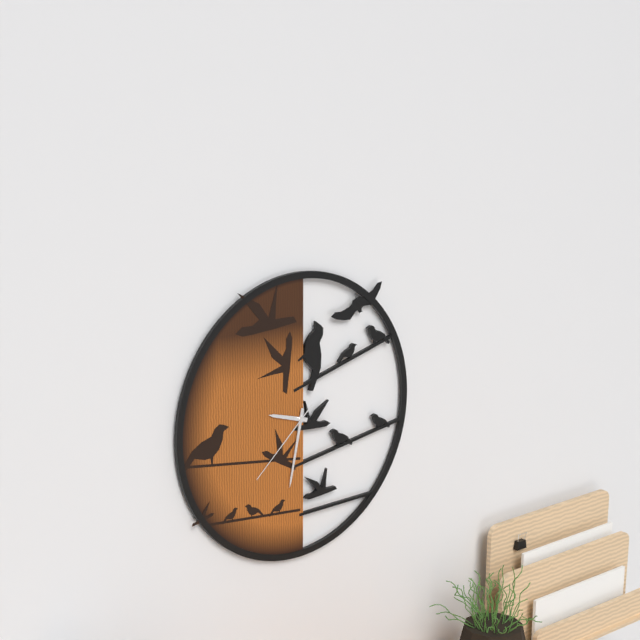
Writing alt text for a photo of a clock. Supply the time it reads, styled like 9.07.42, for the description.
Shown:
9.32.38
